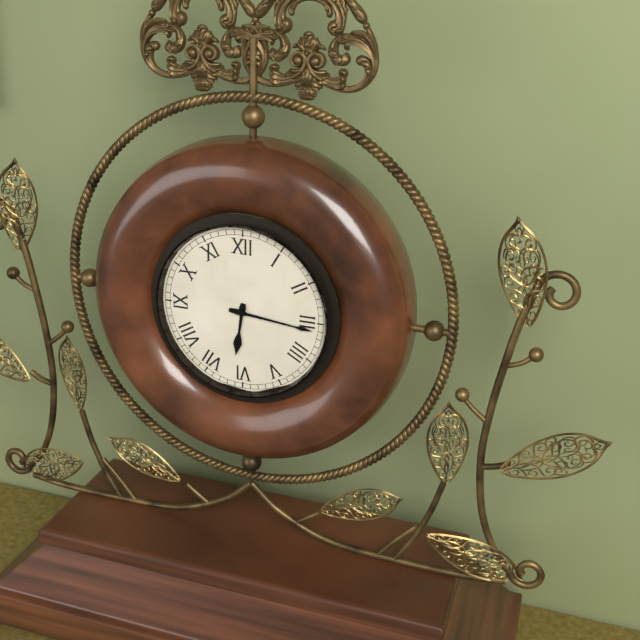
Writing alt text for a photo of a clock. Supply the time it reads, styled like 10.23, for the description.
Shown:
6.16
